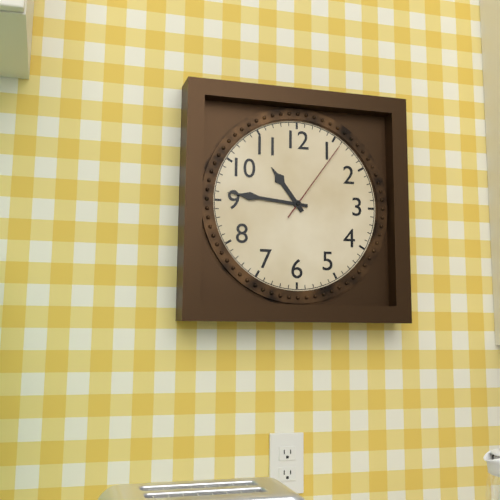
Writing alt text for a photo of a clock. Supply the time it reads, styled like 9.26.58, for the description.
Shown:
10.46.06
